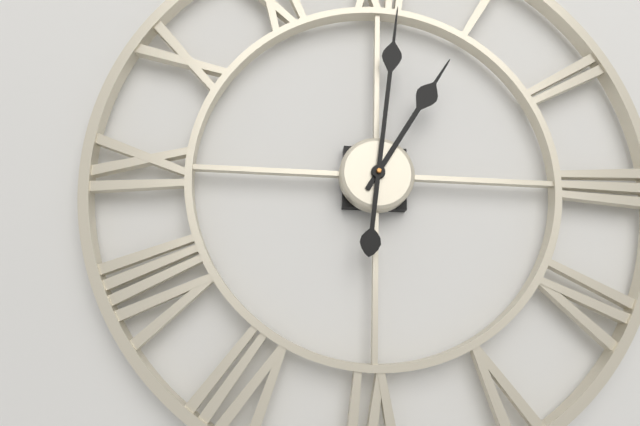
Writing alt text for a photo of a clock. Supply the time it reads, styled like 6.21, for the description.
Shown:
1.01
